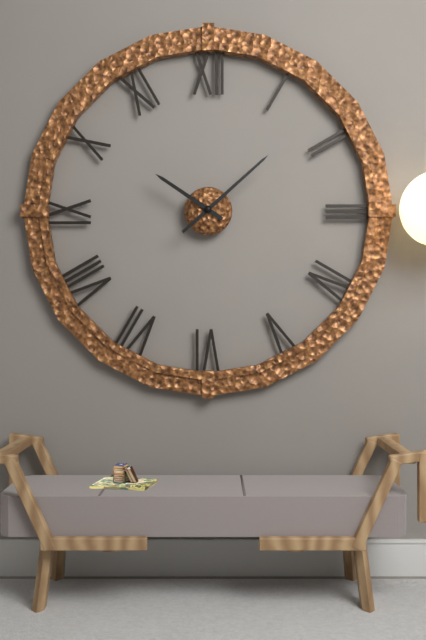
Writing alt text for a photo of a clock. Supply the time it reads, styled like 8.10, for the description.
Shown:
10.08
